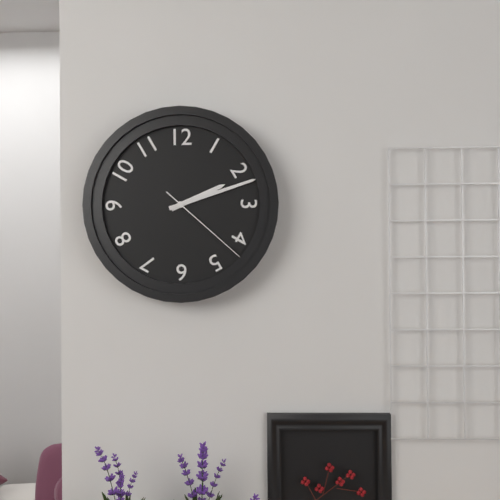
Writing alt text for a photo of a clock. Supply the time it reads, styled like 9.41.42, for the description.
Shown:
2.12.22
